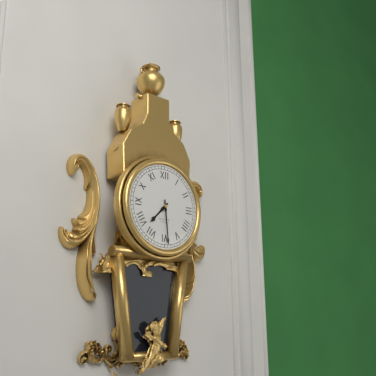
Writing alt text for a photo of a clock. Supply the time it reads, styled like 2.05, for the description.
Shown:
7.29
